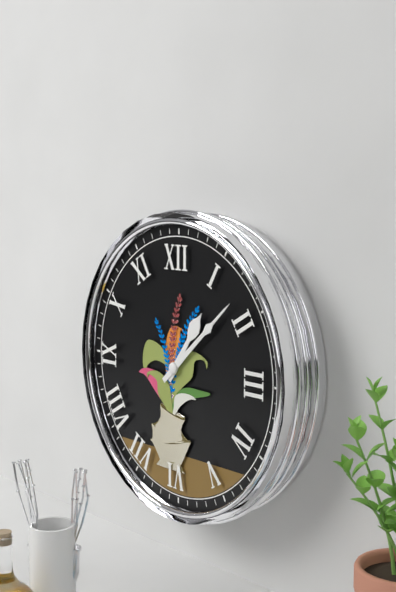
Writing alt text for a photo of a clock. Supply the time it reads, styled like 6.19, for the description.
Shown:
1.08
